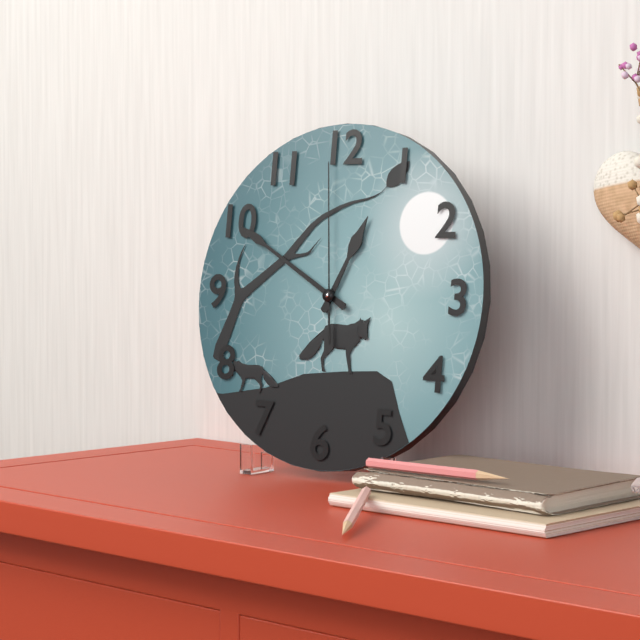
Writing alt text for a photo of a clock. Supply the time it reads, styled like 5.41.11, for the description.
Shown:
12.50.59
